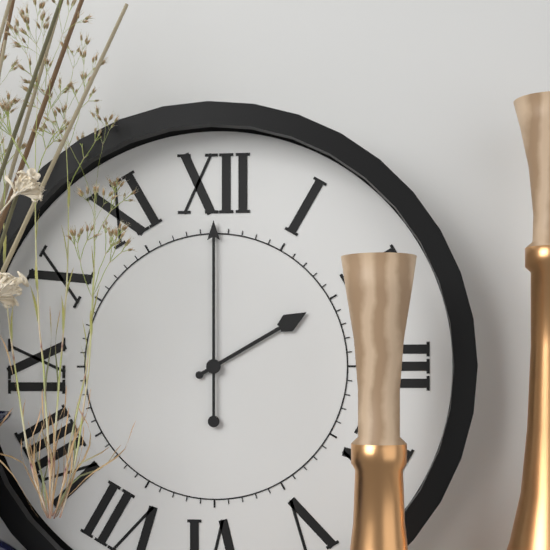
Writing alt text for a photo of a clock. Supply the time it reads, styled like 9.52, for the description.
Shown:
2.00
